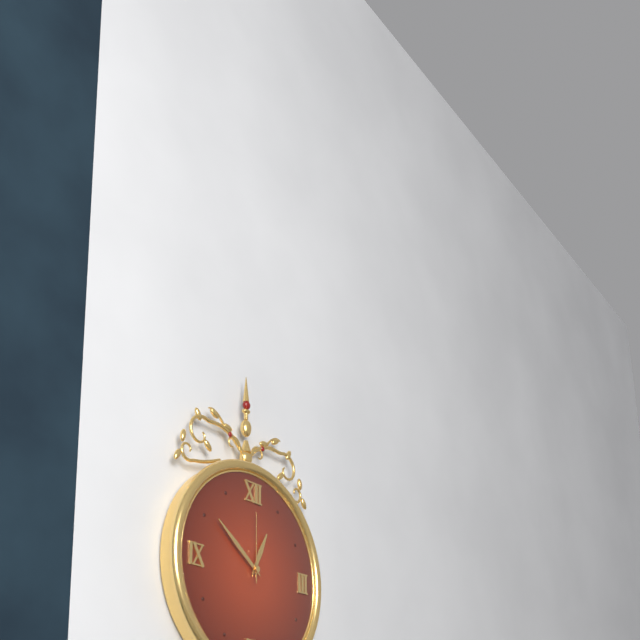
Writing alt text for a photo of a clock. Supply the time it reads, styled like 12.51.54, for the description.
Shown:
12.51.00
